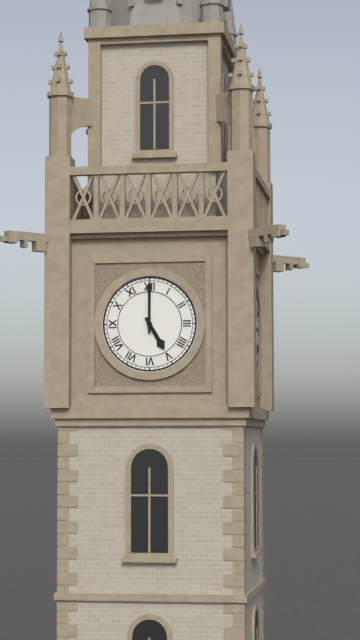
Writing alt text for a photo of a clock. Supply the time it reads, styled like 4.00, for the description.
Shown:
5.00
